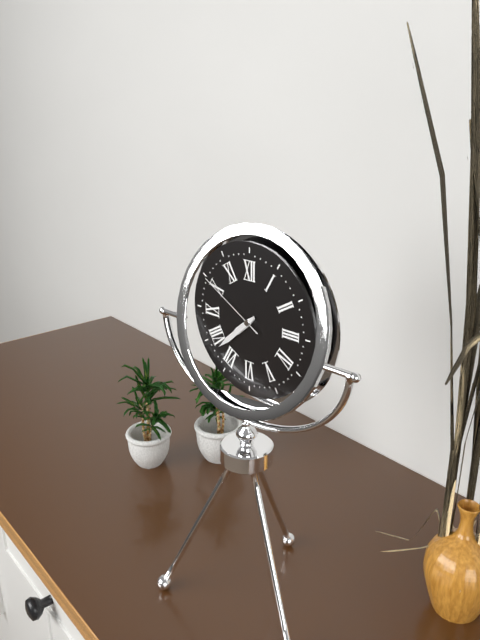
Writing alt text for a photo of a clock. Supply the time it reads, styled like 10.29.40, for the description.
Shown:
7.38.50
